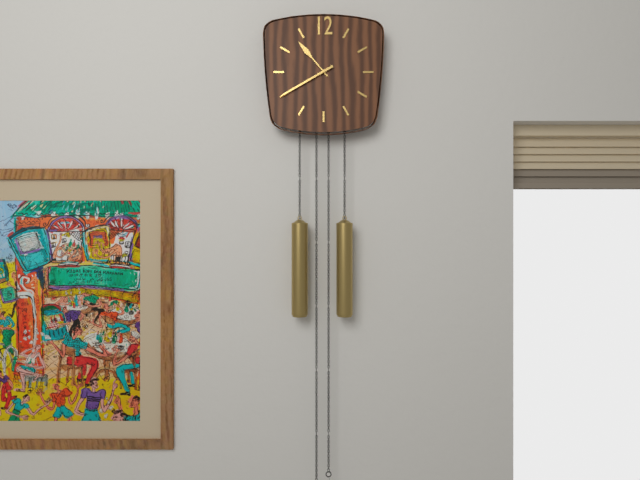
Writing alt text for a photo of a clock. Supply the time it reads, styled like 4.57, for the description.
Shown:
10.40
